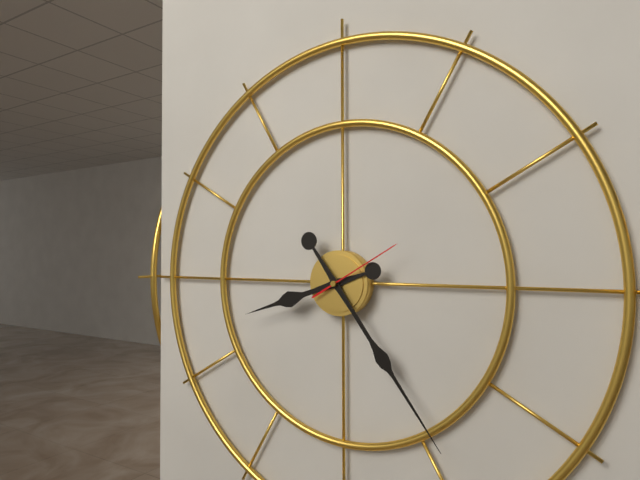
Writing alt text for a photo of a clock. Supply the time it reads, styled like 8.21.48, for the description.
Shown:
8.24.10
